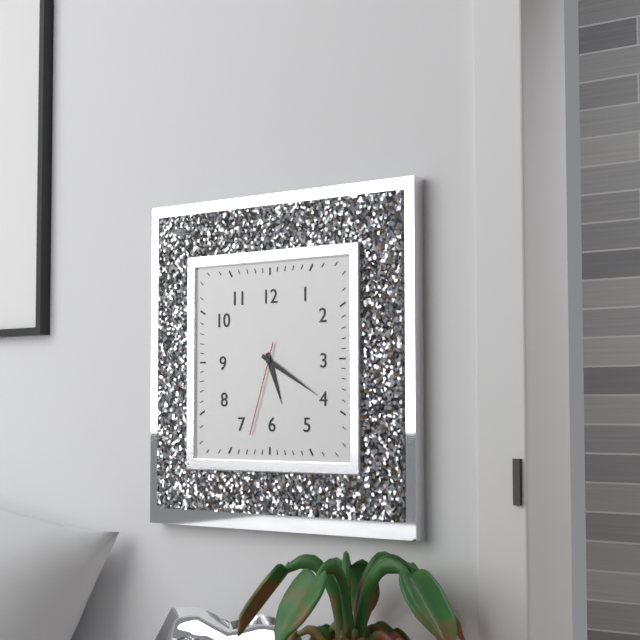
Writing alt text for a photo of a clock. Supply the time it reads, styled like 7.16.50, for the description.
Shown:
5.20.33
